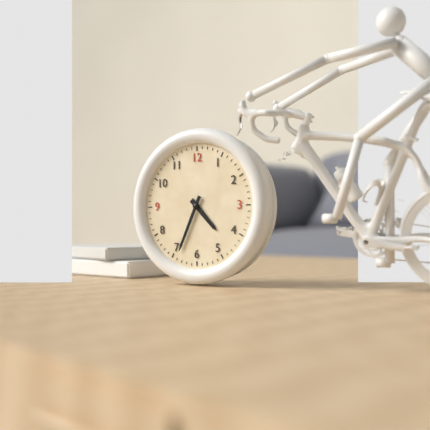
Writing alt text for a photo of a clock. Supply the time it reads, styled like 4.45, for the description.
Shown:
4.34
